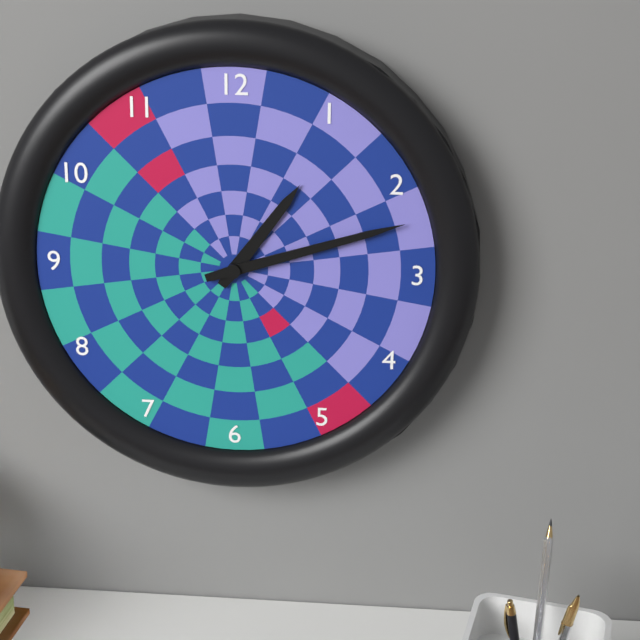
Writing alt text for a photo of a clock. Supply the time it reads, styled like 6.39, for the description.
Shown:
1.12
